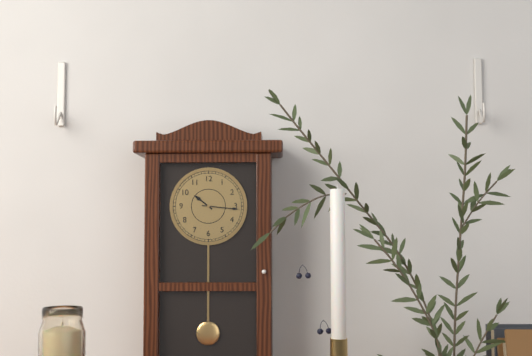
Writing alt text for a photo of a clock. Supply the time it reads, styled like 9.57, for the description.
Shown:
10.16
